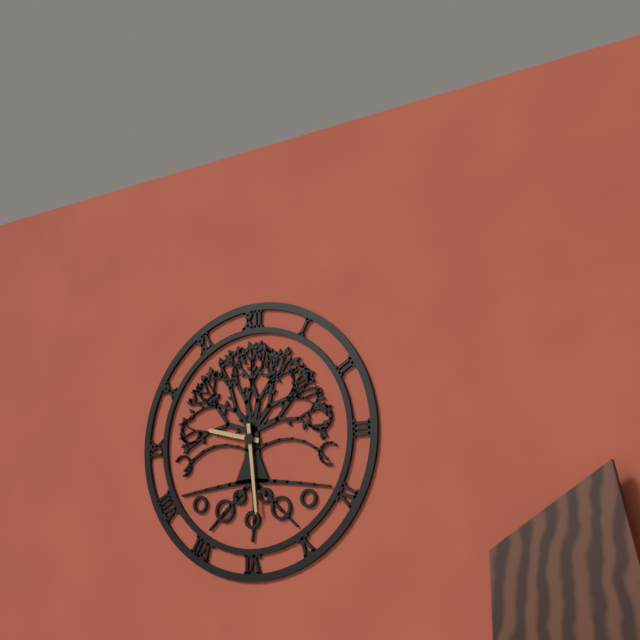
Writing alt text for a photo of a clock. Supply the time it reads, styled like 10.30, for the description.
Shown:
9.29
